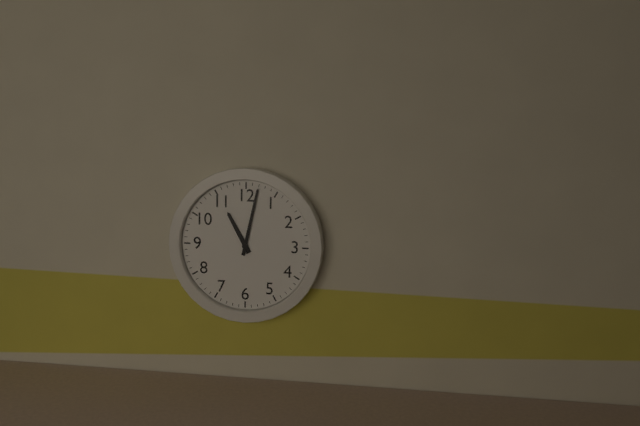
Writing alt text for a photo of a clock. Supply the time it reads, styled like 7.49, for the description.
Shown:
11.02
